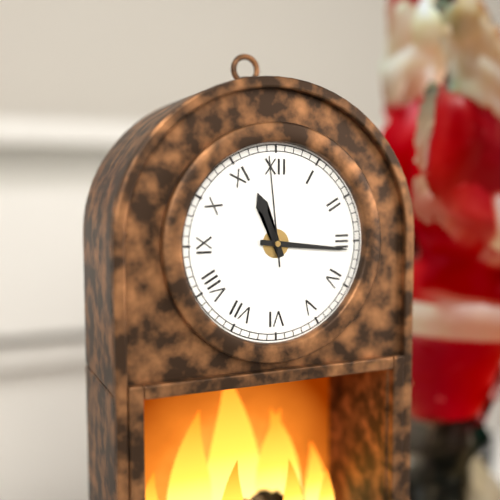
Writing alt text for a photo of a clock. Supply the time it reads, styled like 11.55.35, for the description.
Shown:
11.16.59
